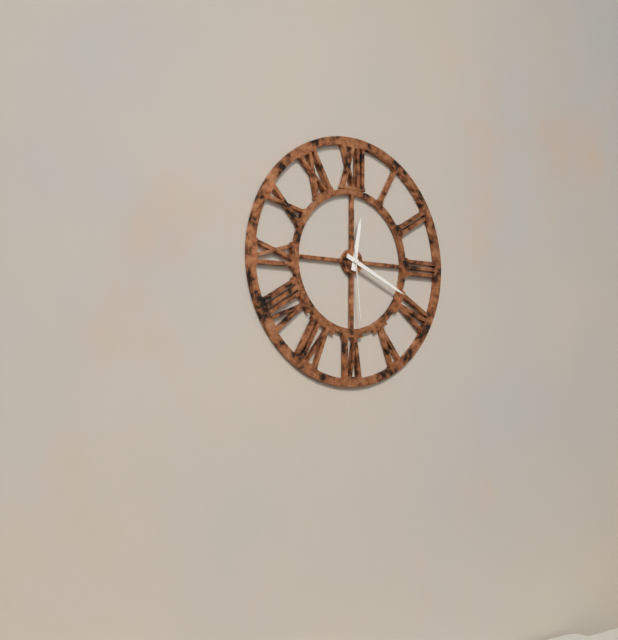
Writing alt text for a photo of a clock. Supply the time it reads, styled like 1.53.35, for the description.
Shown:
12.19.29
